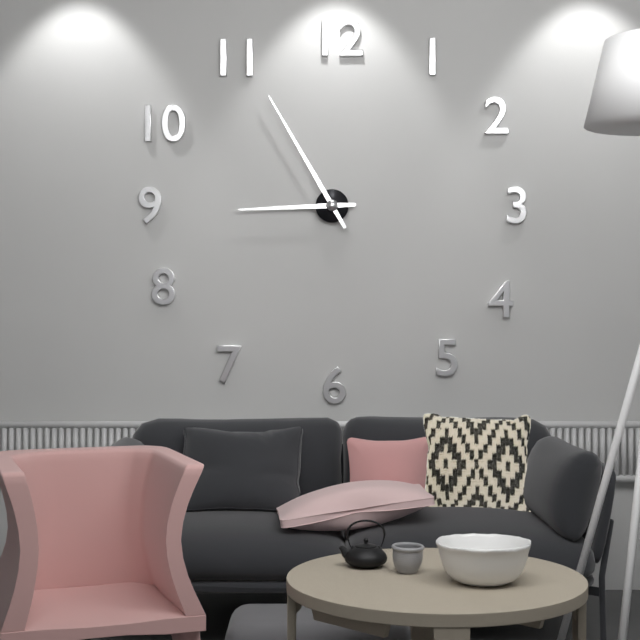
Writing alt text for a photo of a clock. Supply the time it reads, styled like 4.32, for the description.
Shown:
8.55
